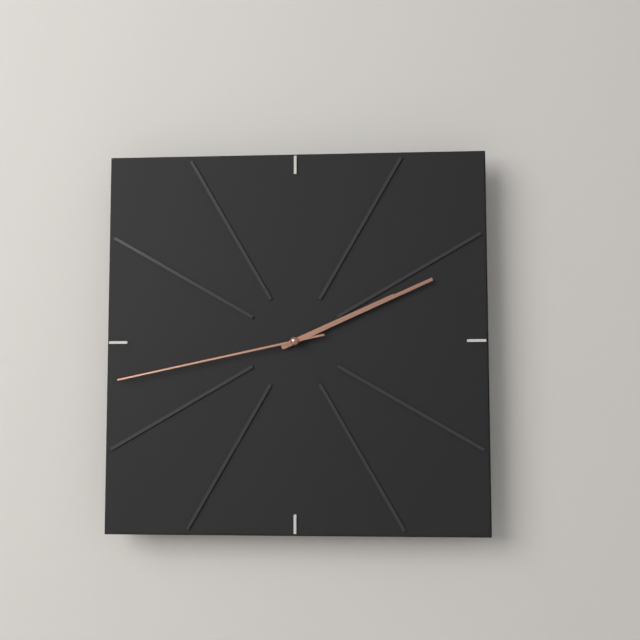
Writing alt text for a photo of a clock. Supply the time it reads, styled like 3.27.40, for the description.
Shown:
2.11.43
